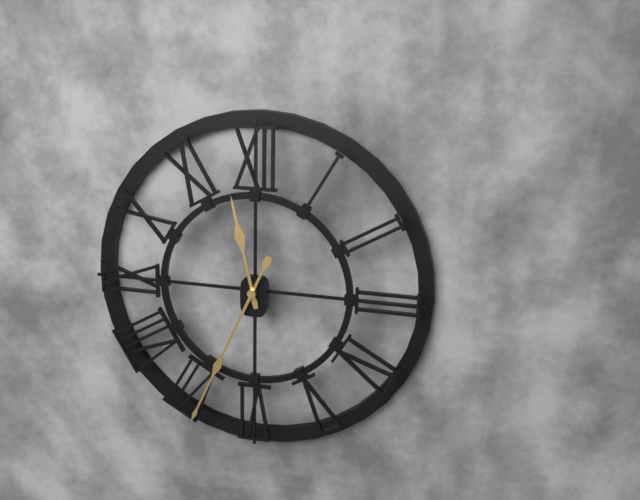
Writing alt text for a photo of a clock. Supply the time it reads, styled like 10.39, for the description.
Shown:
11.34
